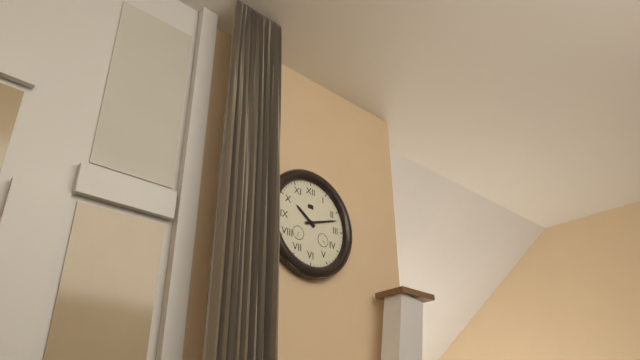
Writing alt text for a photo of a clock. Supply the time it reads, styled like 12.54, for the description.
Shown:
10.12
